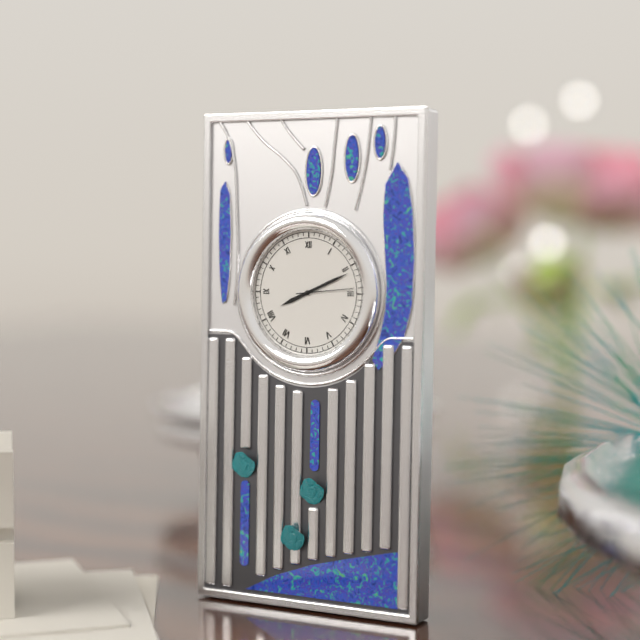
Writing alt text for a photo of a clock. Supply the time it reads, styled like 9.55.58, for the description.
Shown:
8.11.14
